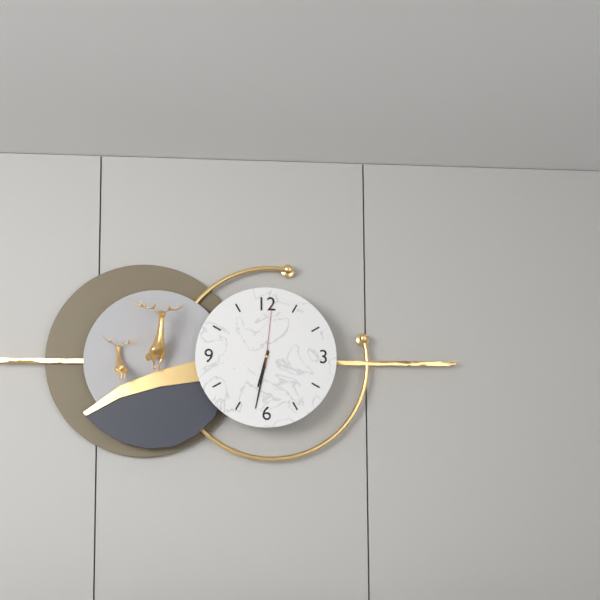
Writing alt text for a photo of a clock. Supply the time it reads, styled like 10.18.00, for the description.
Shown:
6.32.01
